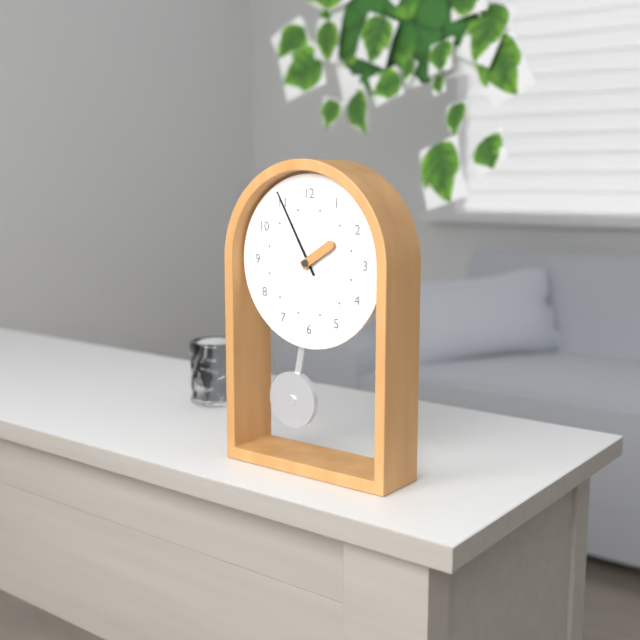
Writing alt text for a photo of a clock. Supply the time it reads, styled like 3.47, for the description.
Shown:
1.55
